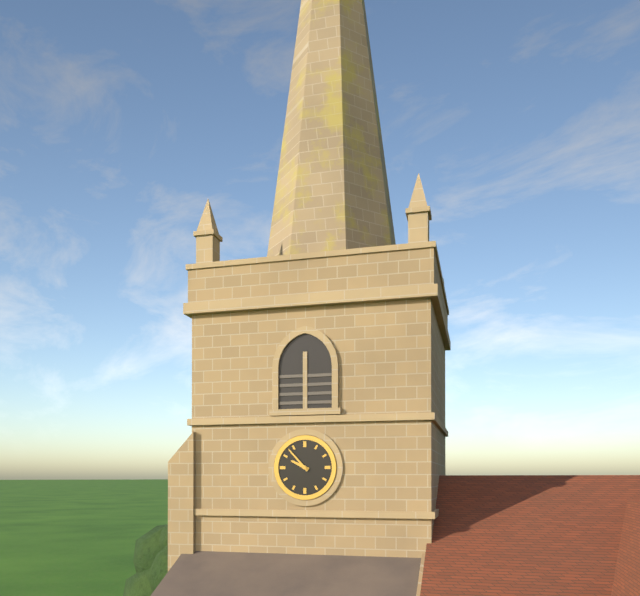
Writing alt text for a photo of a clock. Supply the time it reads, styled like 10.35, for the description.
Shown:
9.53
